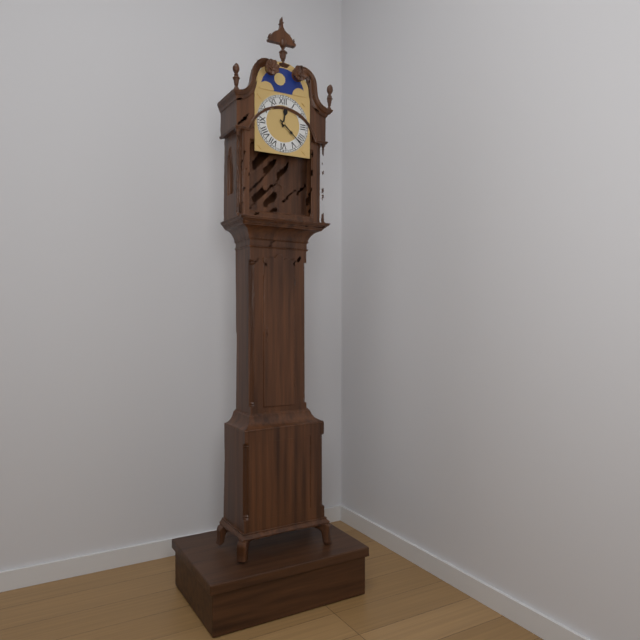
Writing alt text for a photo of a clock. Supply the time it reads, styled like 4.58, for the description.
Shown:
12.22
